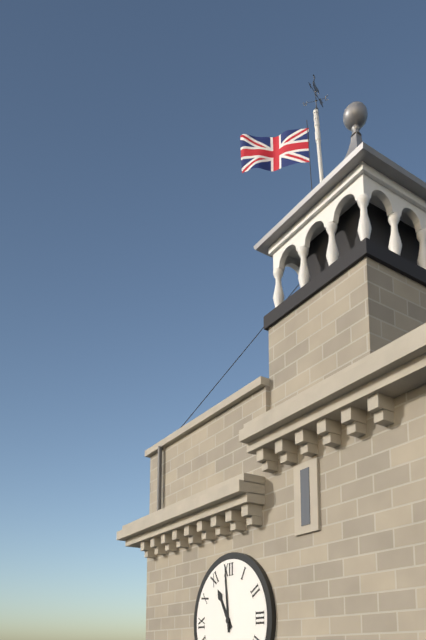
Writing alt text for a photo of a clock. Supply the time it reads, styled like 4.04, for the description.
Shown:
10.59
